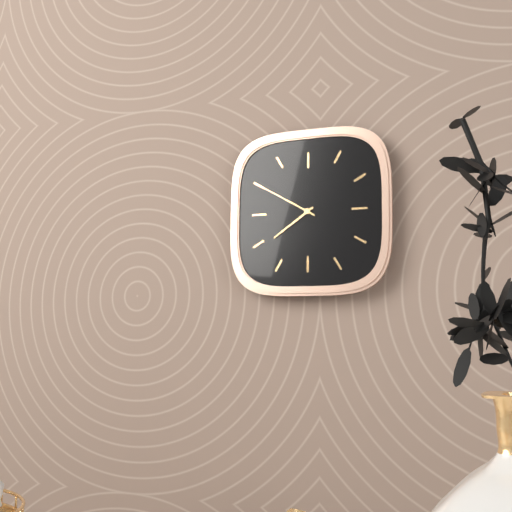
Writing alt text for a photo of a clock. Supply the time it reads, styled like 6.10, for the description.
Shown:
7.50
